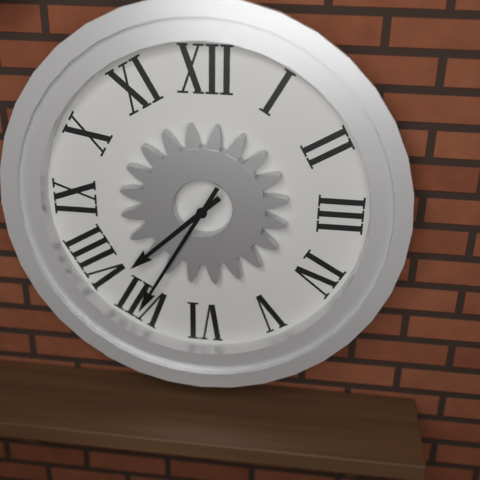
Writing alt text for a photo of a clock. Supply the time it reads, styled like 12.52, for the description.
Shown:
7.35
